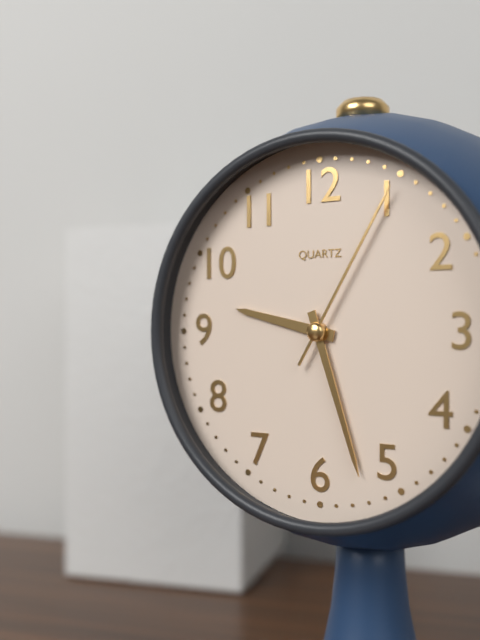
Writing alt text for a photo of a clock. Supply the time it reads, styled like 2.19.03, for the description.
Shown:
9.27.05
